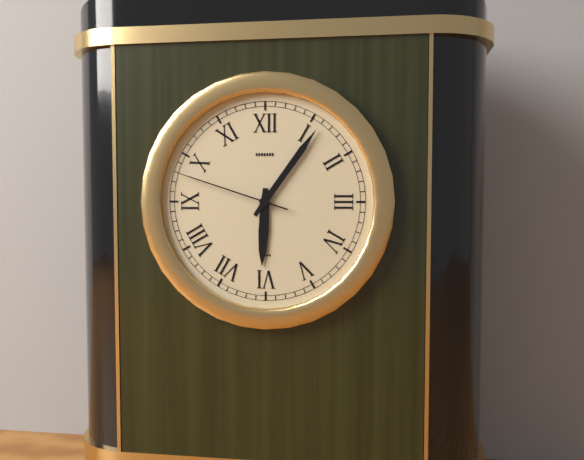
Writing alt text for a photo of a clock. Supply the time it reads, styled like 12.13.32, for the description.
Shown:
6.06.48
